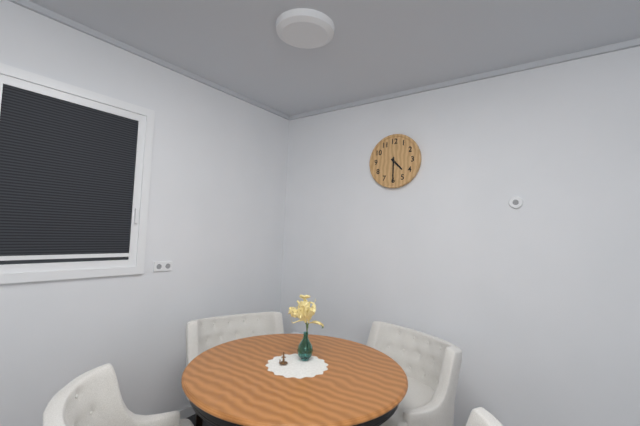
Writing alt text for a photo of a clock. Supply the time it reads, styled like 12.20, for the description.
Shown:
4.30
